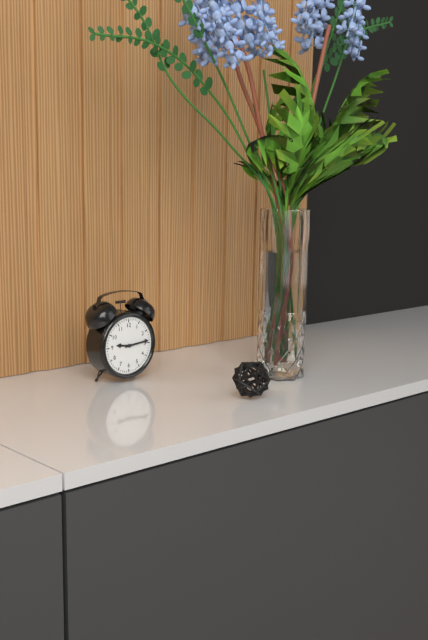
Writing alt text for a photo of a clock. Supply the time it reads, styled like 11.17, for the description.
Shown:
9.14
